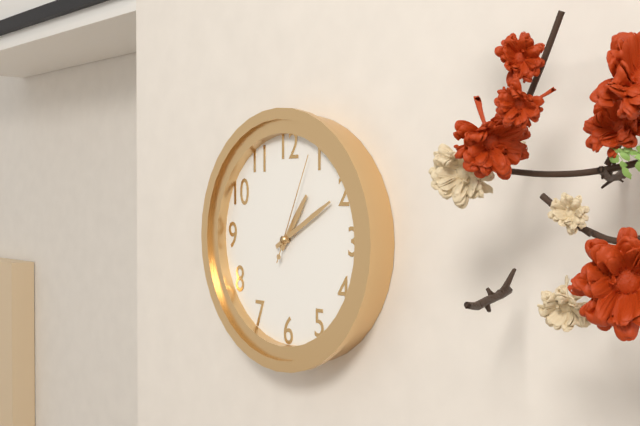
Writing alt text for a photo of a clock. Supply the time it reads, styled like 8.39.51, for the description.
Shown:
1.10.04
